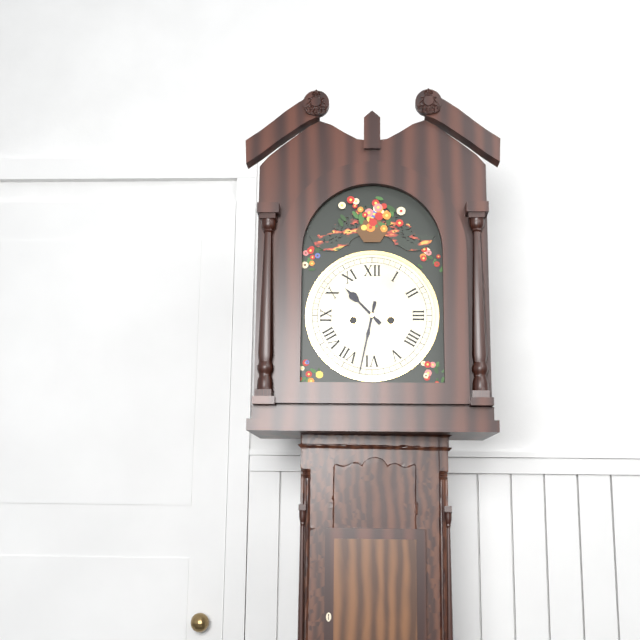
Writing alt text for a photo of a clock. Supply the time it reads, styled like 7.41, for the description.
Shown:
10.32
